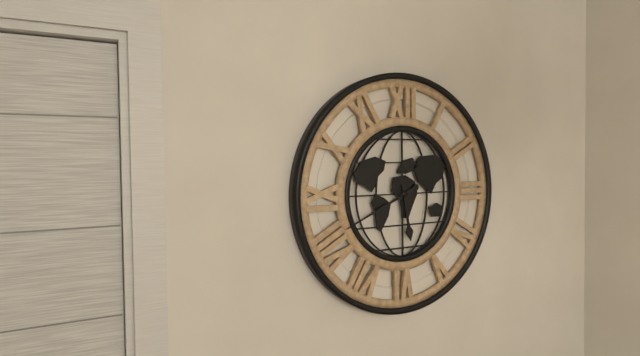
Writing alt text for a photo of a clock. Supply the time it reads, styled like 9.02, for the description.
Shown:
5.41
